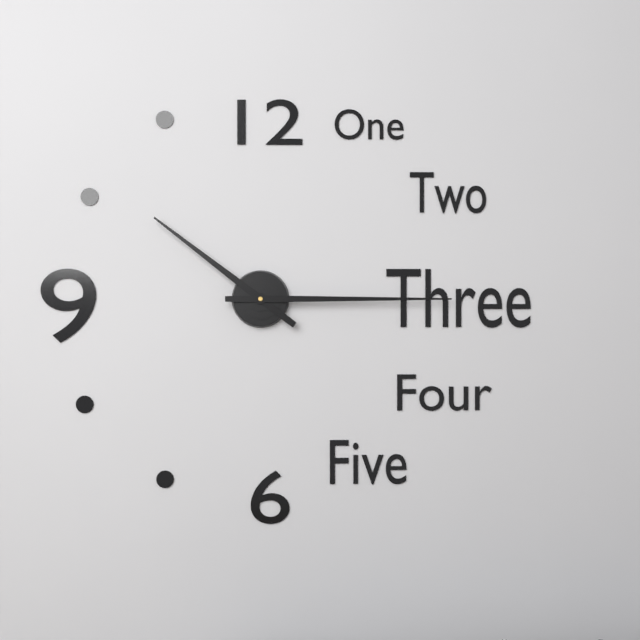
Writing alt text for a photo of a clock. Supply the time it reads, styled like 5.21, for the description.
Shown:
10.15
